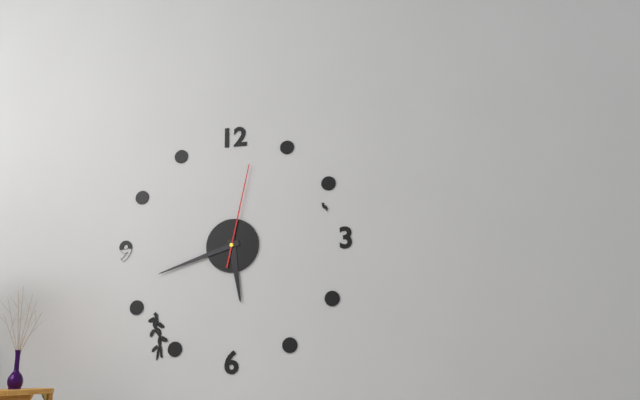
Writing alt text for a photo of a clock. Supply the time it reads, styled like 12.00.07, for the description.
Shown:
5.42.02
